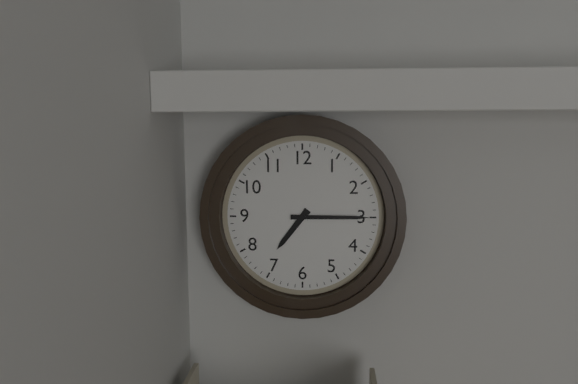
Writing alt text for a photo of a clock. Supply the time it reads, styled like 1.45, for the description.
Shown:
7.15
